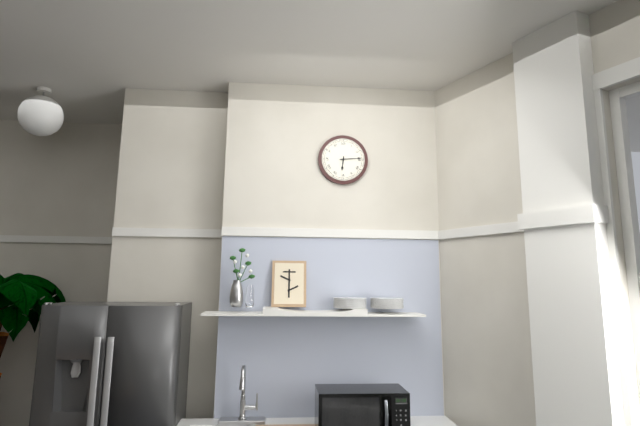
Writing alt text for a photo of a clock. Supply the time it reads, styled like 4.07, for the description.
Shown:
6.14
